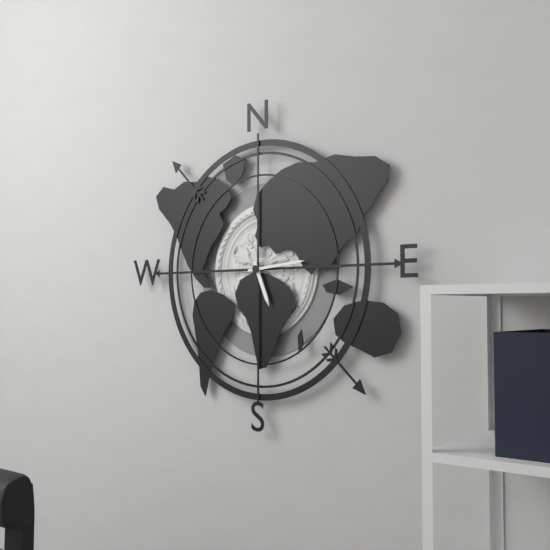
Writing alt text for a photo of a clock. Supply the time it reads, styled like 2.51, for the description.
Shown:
5.14
